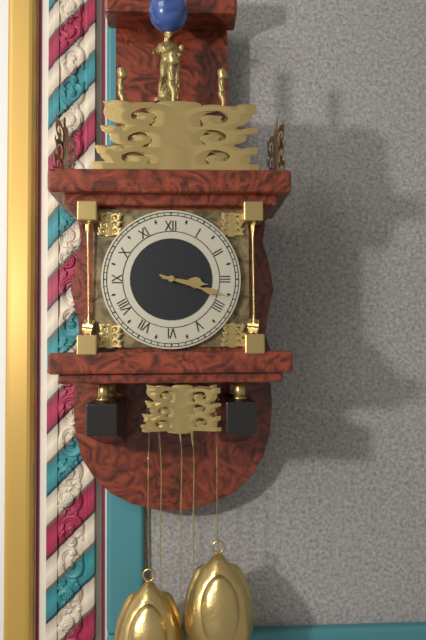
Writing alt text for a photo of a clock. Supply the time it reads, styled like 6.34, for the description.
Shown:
3.18
